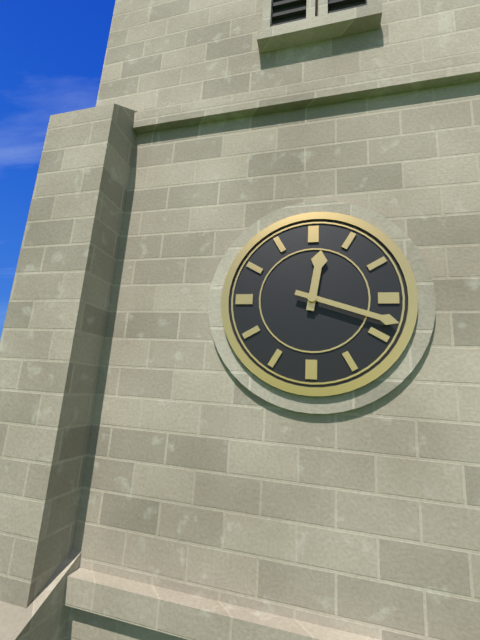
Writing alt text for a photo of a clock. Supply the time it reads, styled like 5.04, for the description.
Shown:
12.18
